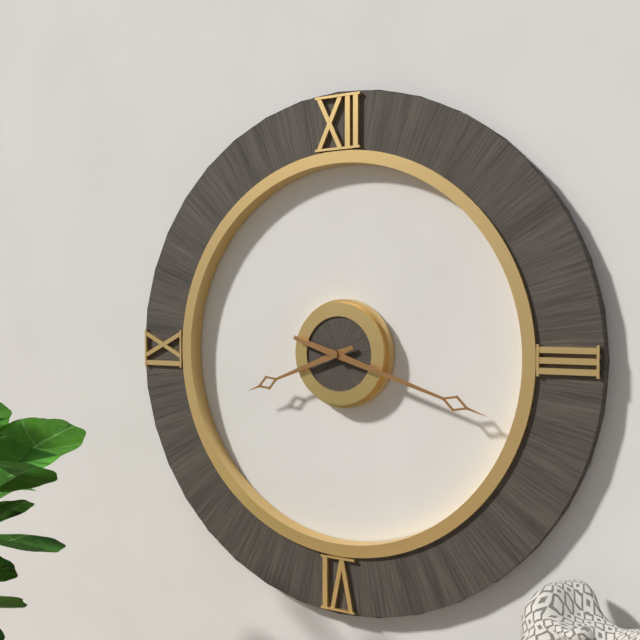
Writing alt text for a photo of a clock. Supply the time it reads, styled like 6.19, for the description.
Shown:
8.18
